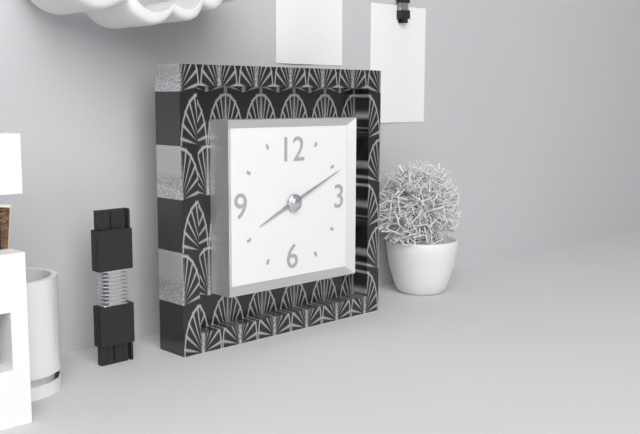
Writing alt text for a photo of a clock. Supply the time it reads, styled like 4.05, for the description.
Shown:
8.11
